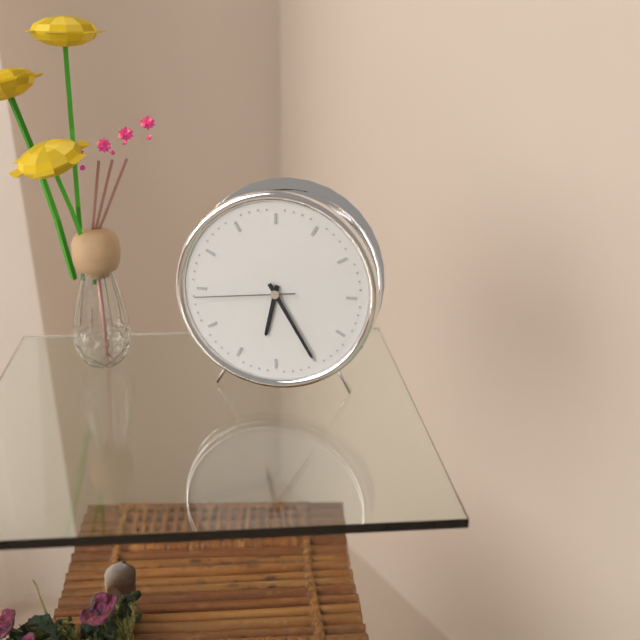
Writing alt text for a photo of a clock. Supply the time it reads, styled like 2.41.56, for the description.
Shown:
6.25.44
